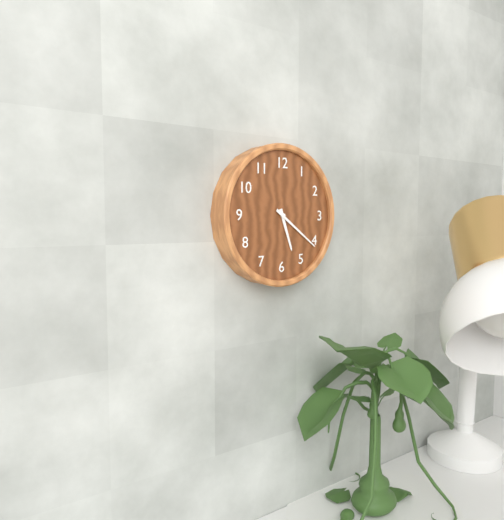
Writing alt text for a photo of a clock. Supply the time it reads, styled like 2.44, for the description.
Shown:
5.21
